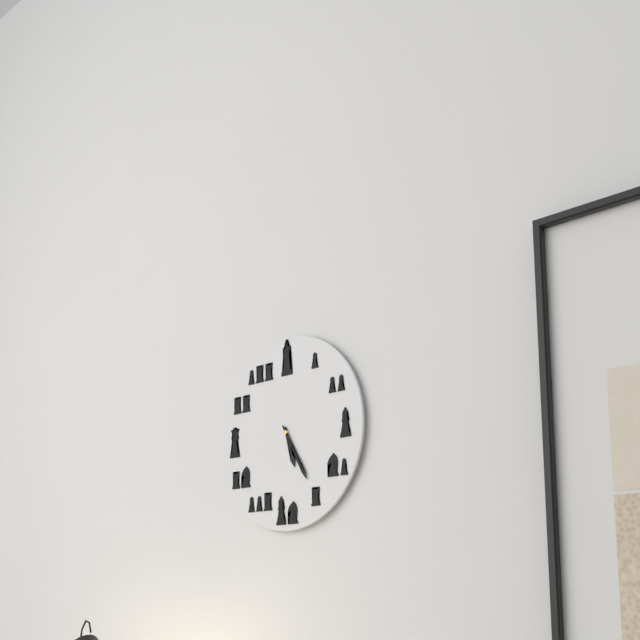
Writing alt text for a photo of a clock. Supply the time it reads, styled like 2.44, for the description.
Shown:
5.25
